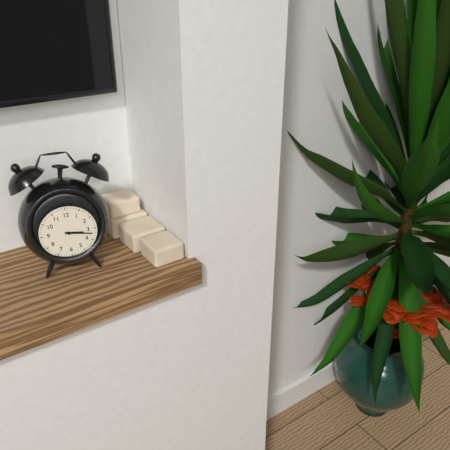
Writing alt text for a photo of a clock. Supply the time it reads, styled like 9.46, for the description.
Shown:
3.17
